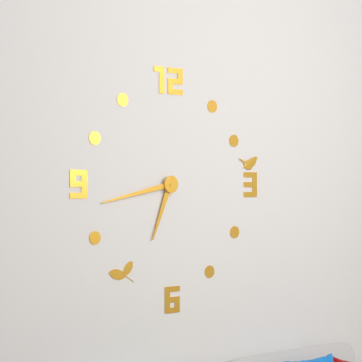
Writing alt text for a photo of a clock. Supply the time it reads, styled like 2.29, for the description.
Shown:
6.43
